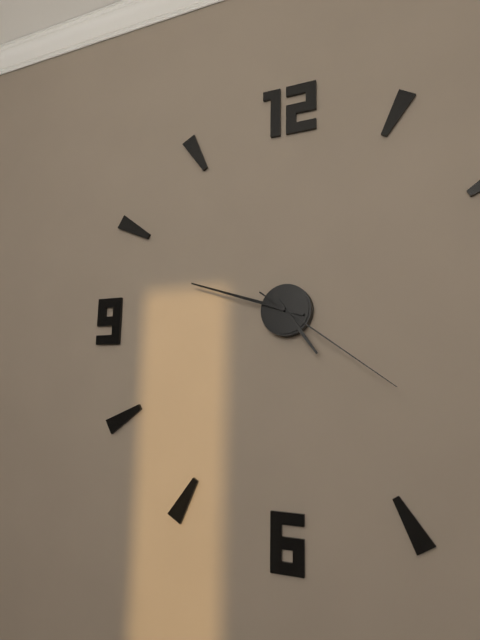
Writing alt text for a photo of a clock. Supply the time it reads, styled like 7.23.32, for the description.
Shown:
4.48.21
